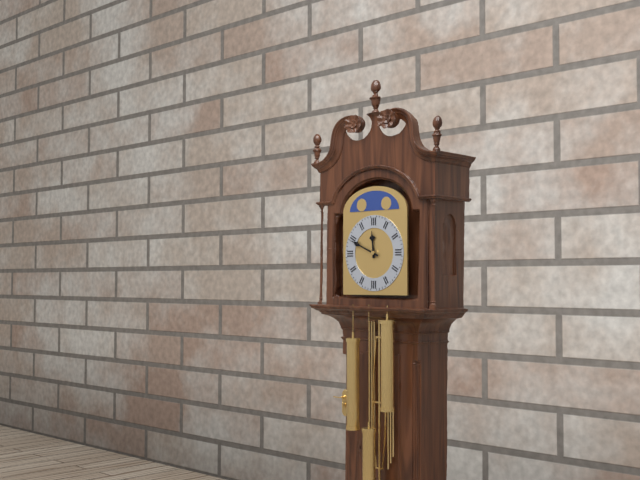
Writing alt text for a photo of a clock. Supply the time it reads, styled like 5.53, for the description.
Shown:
11.49
